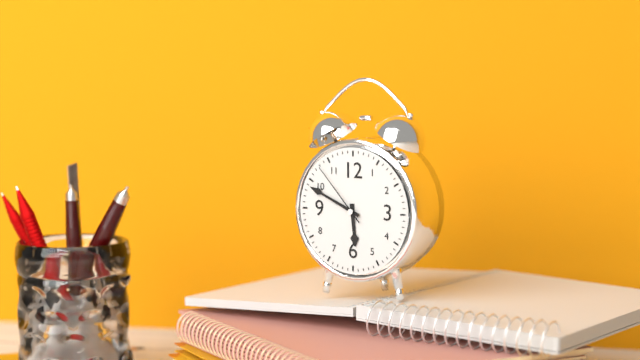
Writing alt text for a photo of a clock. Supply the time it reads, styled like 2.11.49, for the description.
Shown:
5.49.53
